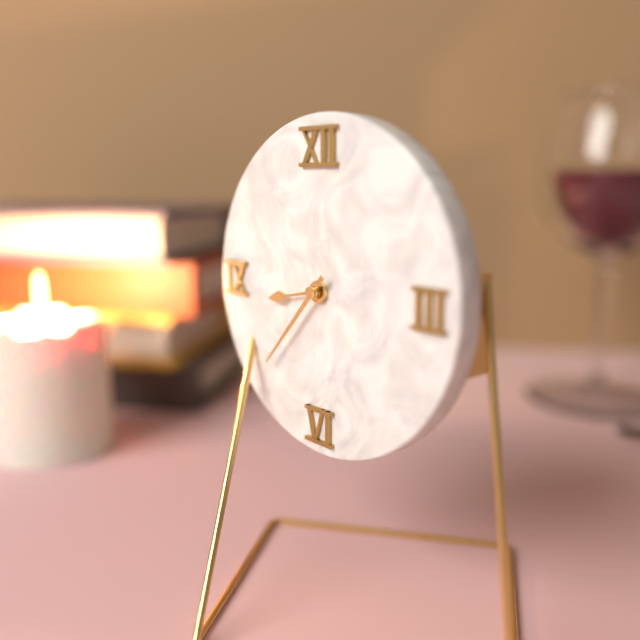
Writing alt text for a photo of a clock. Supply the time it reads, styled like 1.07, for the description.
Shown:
8.37
